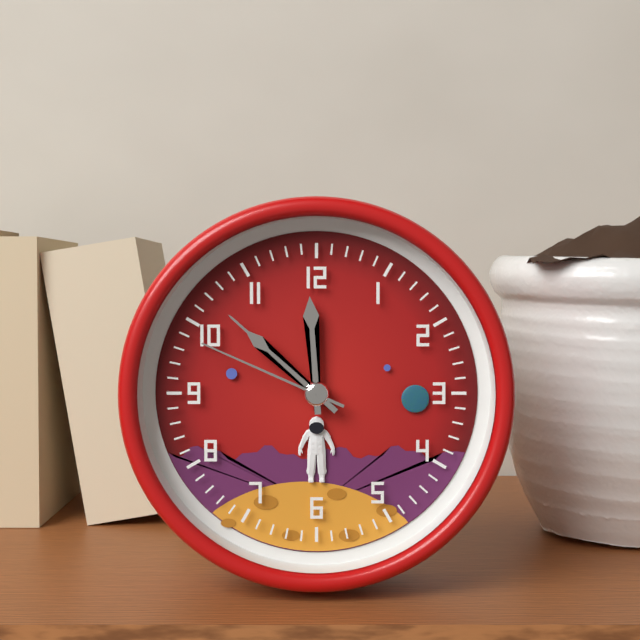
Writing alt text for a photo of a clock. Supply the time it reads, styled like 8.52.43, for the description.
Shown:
11.52.49
